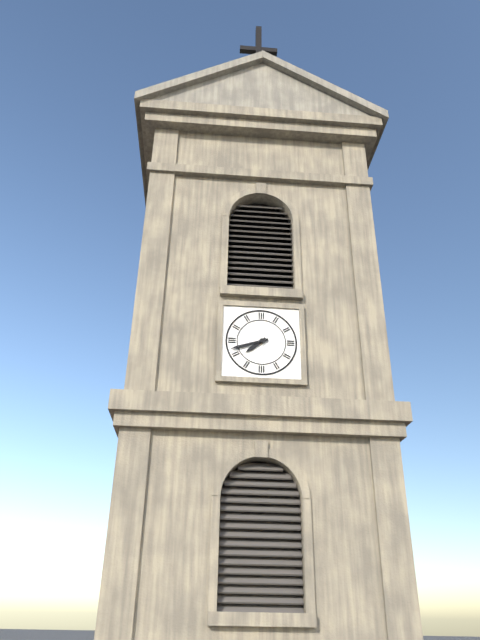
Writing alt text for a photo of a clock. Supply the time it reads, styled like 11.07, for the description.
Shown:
7.42
